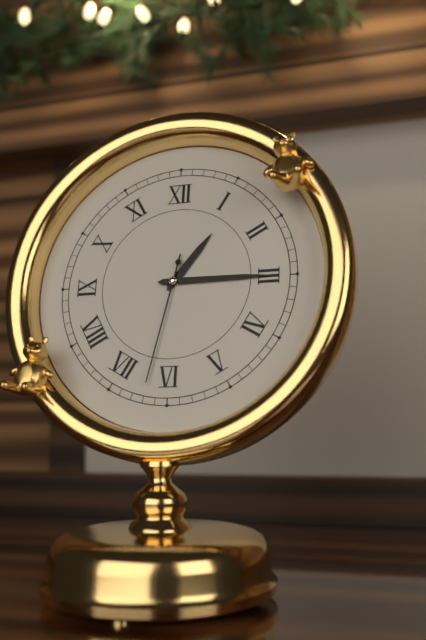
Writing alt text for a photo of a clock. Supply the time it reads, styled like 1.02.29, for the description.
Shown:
1.15.32
